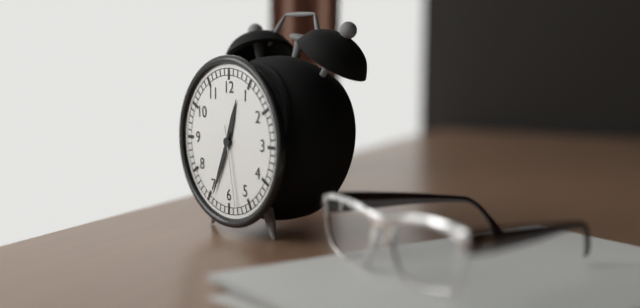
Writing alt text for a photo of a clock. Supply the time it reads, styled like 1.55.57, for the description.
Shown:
12.34.28
